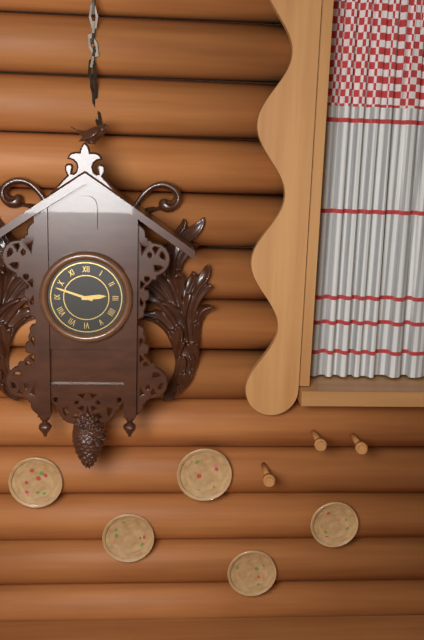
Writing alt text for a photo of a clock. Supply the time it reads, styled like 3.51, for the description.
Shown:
2.48
